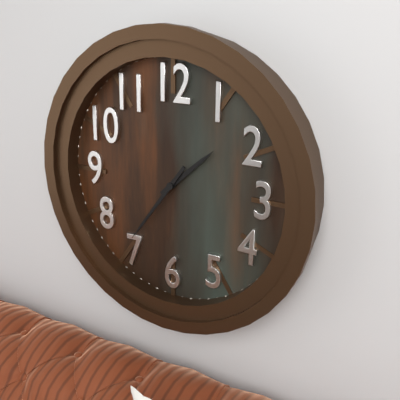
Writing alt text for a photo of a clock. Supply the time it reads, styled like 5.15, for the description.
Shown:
1.36
